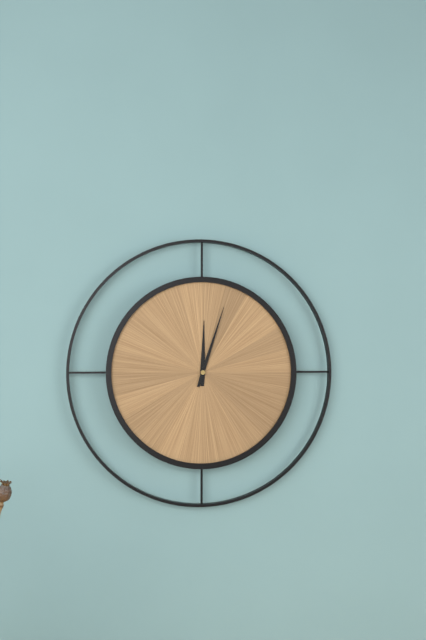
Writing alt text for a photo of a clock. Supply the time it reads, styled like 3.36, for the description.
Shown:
12.03
